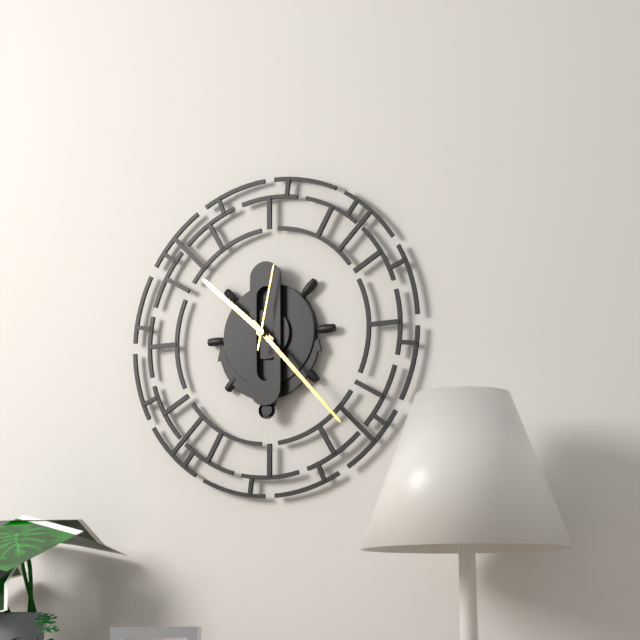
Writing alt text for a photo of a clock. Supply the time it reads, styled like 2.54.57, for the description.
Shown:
10.23.02
